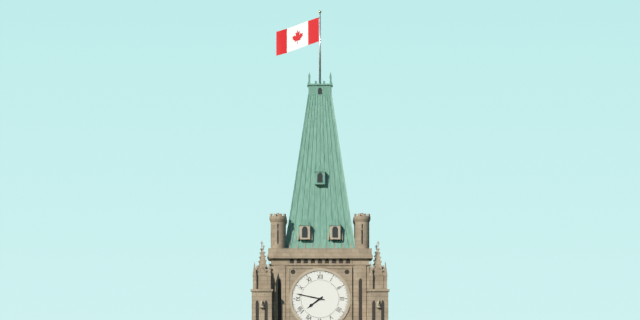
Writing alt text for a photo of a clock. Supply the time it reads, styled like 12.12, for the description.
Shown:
7.47
